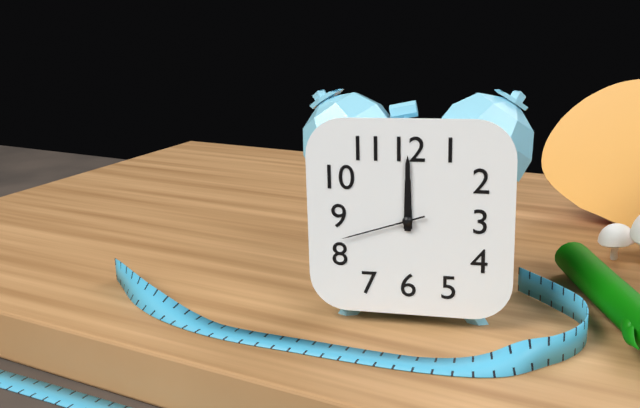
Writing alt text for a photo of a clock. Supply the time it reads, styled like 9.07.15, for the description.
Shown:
12.00.42
